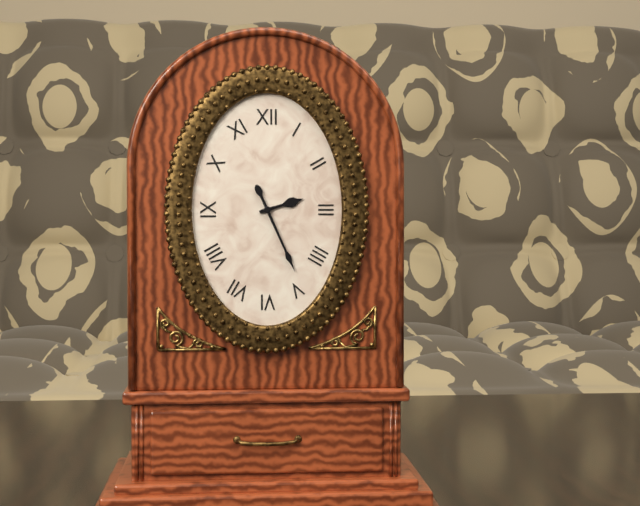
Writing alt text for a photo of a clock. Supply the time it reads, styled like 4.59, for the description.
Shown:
2.26
